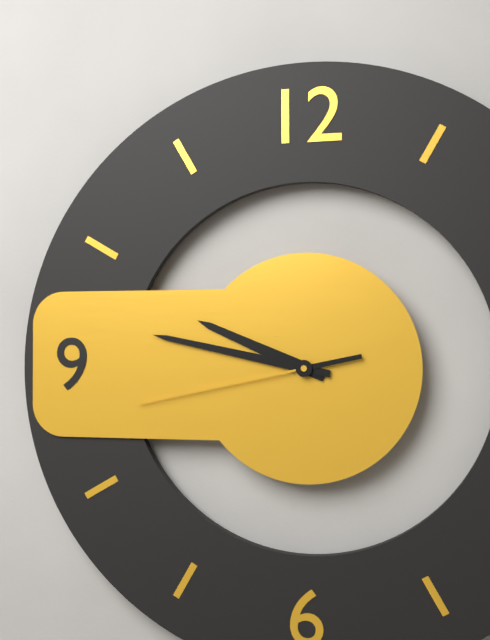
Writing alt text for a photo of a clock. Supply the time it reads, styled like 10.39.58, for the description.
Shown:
9.47.43
